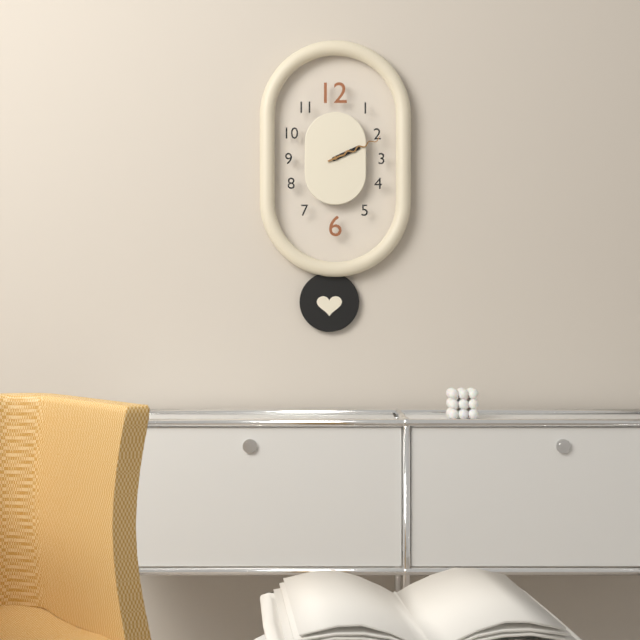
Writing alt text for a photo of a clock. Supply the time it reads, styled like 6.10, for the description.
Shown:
2.11
